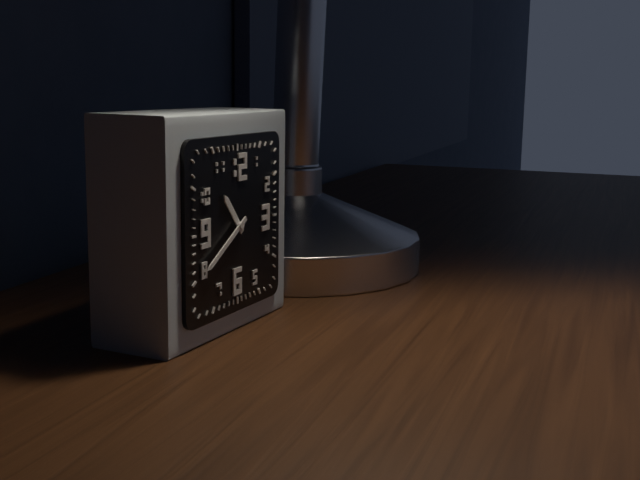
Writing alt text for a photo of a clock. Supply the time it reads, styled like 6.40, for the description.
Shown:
10.40
